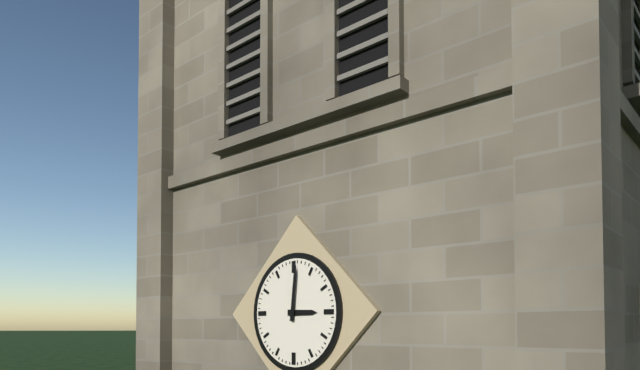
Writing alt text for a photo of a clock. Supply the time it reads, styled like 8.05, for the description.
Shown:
3.01
